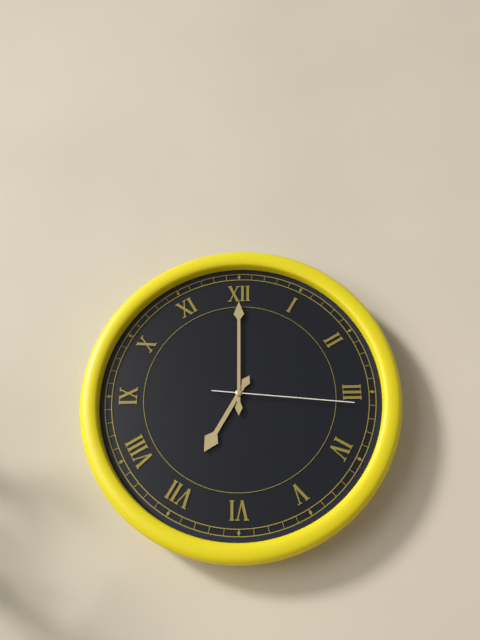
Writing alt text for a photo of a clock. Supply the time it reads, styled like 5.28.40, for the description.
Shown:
7.00.16
